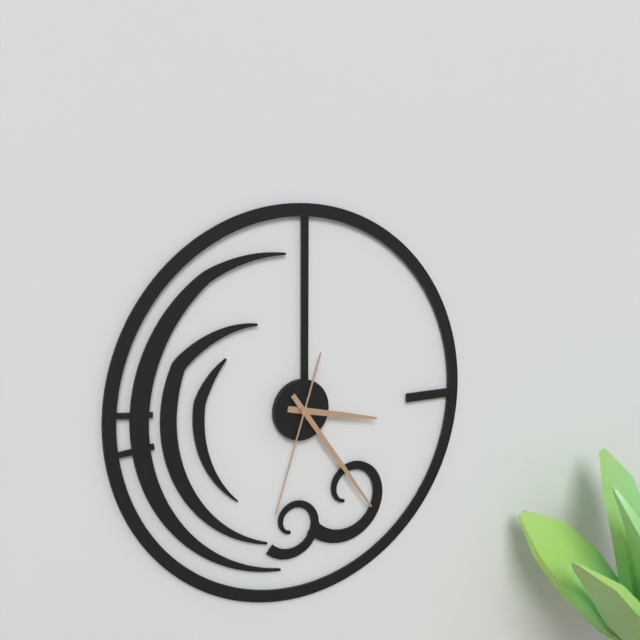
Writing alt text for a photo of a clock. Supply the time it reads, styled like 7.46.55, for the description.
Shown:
3.24.33
